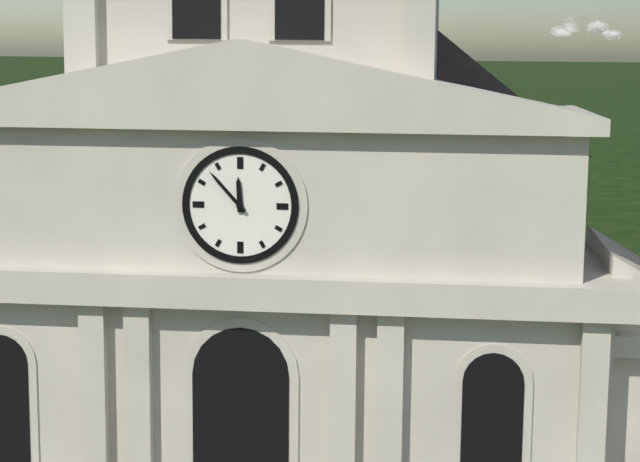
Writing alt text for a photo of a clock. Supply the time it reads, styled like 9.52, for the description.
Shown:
11.53
